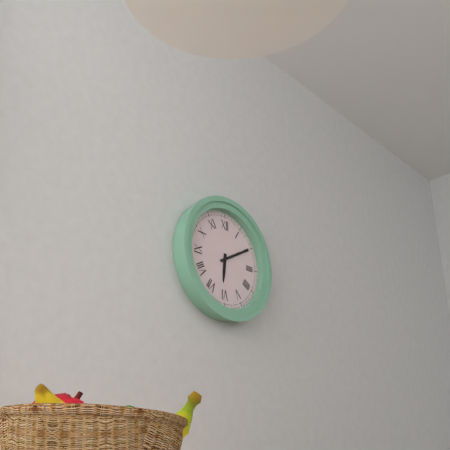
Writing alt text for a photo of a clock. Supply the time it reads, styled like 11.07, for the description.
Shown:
6.10
